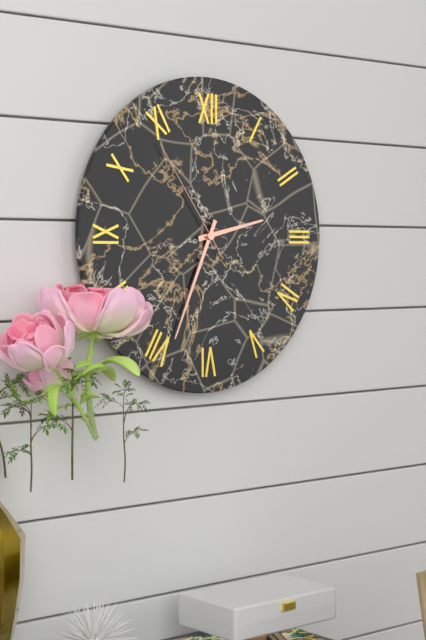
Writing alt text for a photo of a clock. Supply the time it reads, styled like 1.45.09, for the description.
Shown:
2.34.54
